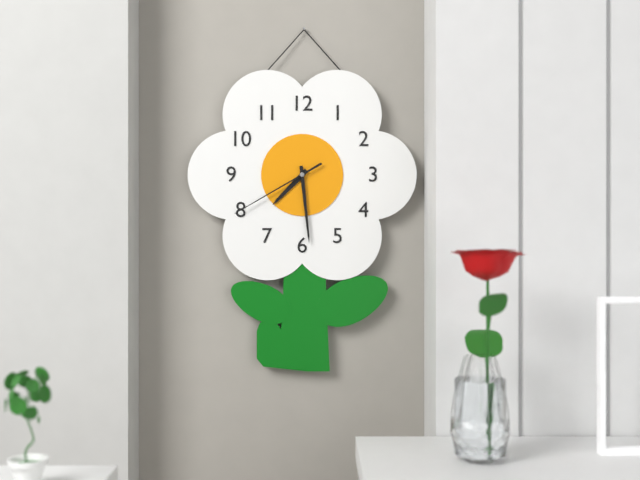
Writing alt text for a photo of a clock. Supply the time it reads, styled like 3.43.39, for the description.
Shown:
7.29.40
